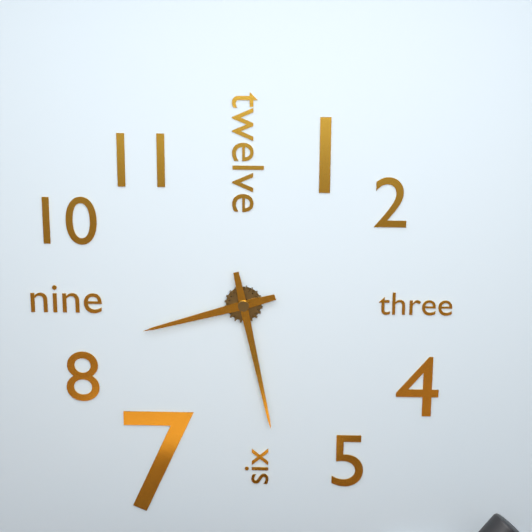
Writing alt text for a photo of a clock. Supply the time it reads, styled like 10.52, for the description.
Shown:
8.28
